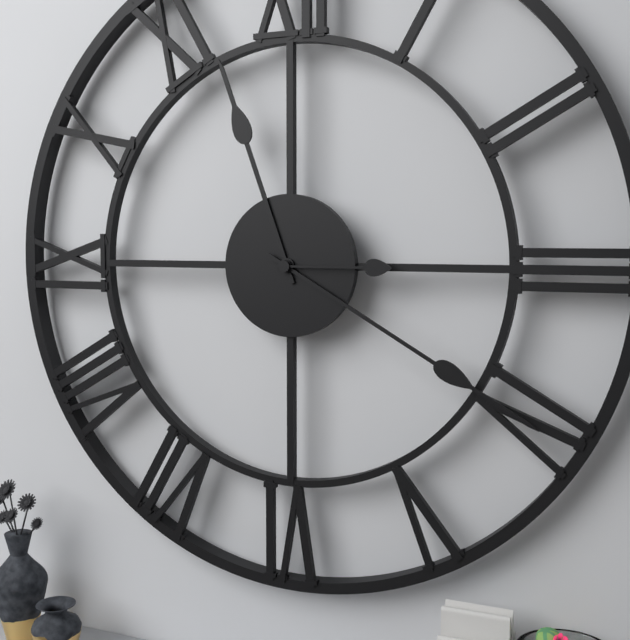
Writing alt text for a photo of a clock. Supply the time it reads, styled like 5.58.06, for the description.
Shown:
11.20.15
